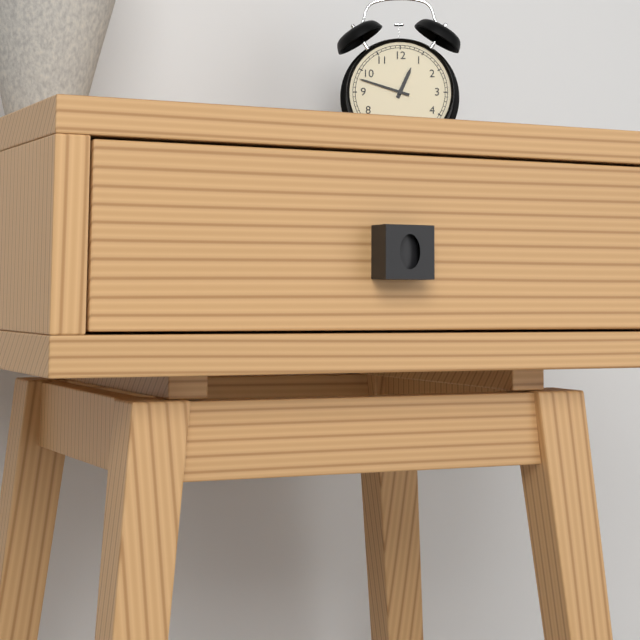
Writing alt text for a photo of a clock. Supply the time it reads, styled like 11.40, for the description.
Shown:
12.48
